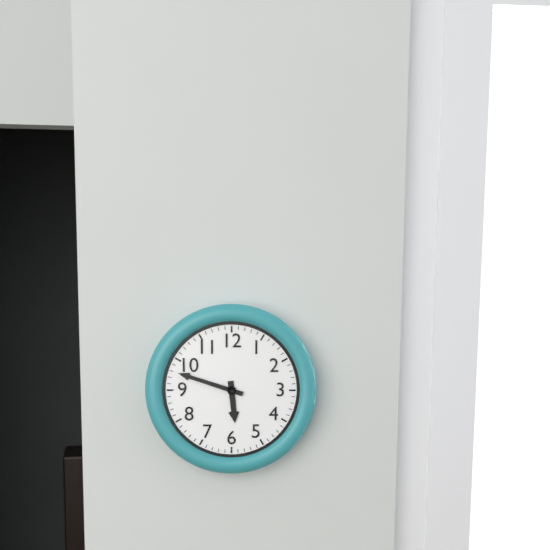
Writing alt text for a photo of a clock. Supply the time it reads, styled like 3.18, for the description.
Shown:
5.48
